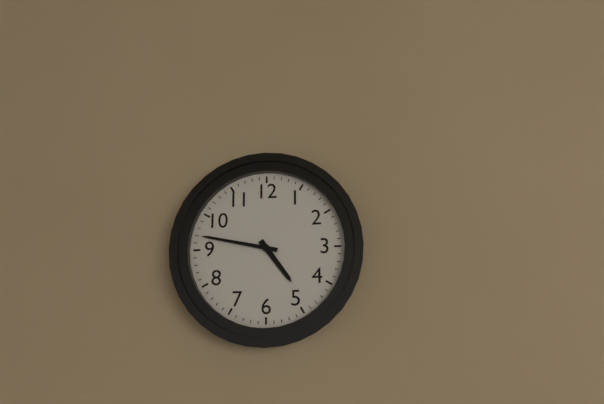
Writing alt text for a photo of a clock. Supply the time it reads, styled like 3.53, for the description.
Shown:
4.47
